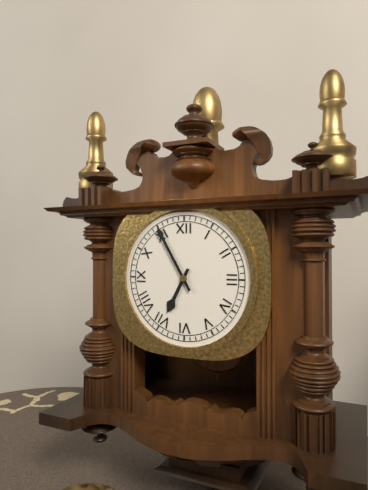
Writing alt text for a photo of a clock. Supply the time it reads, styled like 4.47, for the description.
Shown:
6.55
